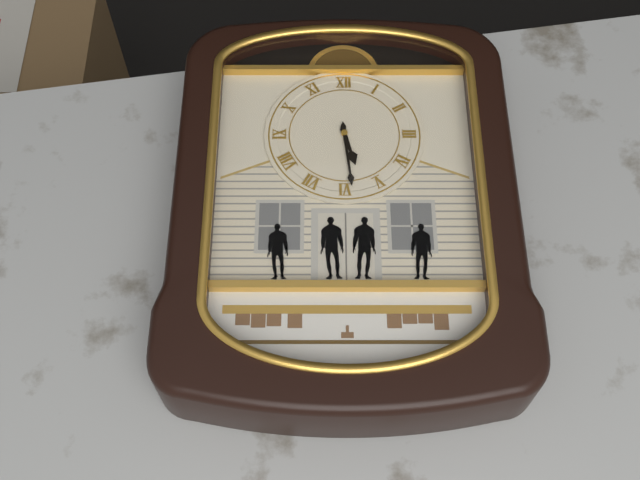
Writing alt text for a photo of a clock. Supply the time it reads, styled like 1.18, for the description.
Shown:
5.29
